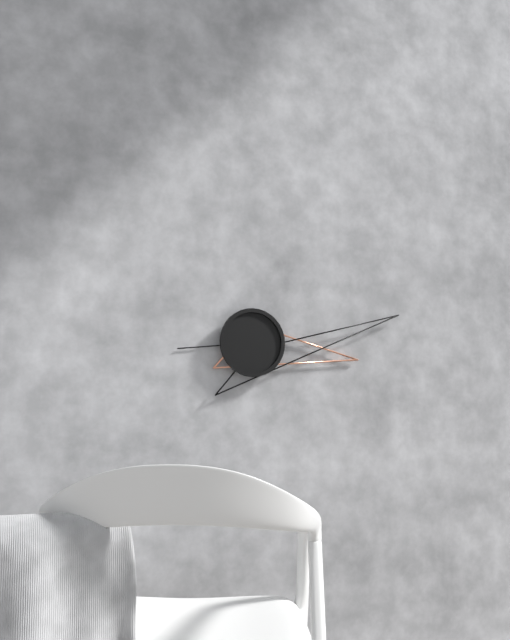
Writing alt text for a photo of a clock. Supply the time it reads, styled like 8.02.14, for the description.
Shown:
3.13.44
